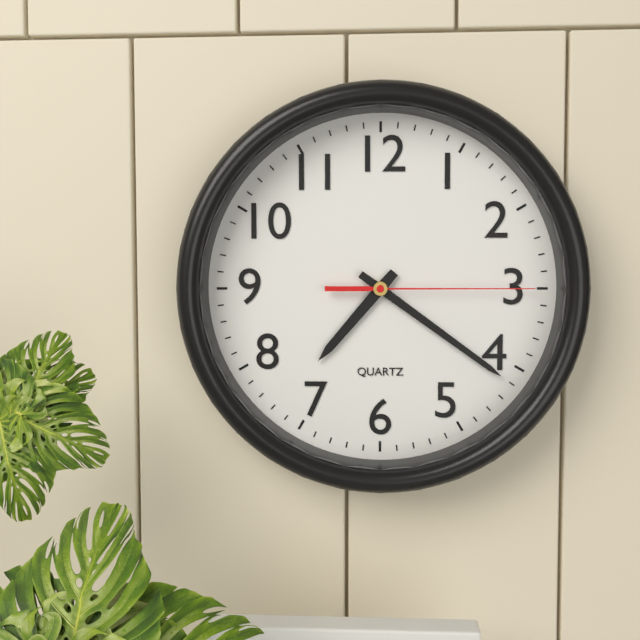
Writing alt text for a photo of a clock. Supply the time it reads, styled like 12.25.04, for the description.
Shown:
7.21.15
